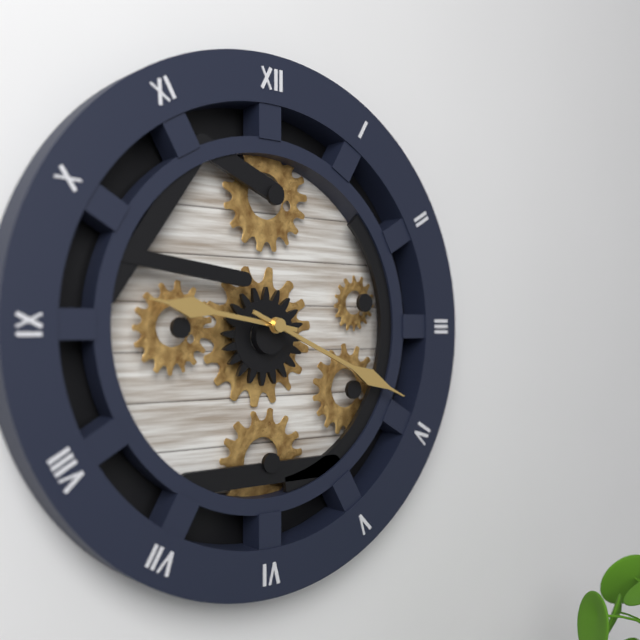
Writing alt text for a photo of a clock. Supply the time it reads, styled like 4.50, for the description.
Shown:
9.19
